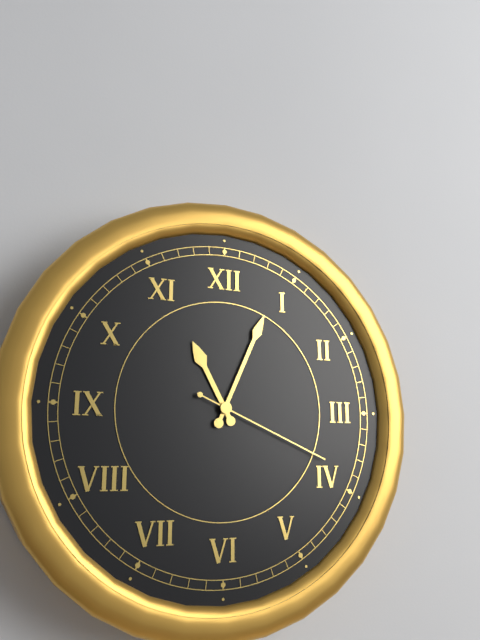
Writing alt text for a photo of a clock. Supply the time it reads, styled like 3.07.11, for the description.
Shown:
11.04.19
